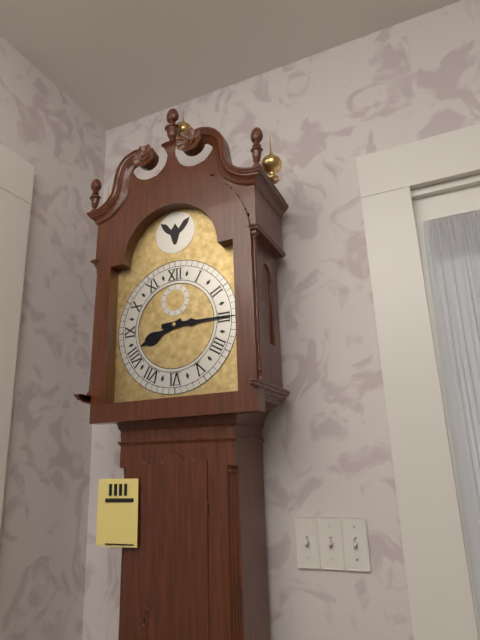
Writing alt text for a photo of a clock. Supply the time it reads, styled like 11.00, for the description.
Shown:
8.15
